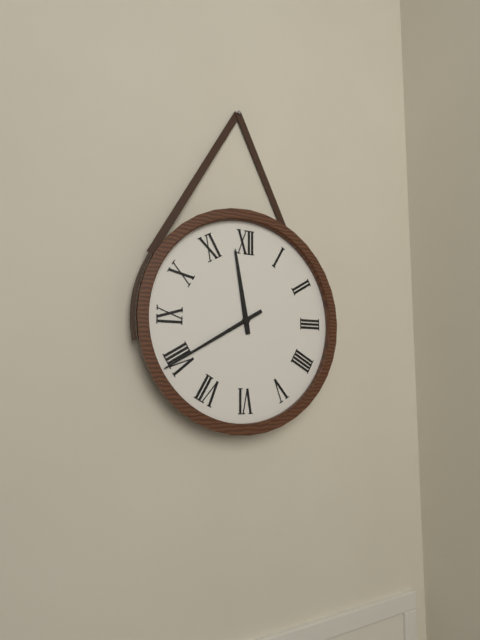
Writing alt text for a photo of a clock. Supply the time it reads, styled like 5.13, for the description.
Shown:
11.40
